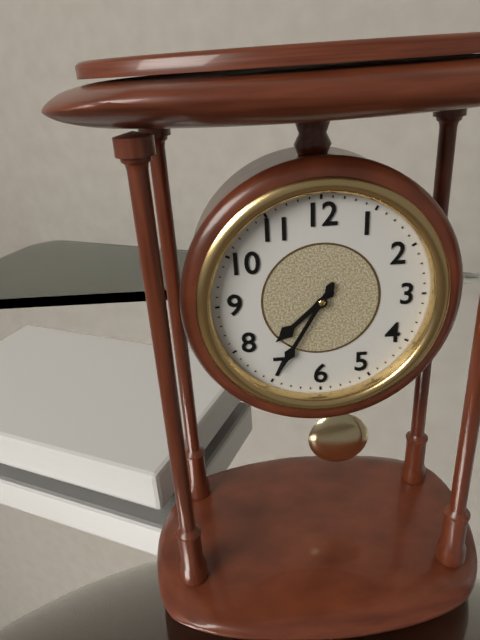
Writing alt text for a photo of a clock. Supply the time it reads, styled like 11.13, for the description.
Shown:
7.35
